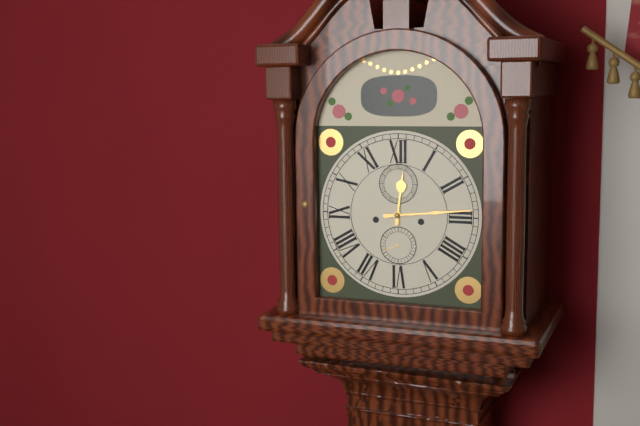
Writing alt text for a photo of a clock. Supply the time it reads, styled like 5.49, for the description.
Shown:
12.14
